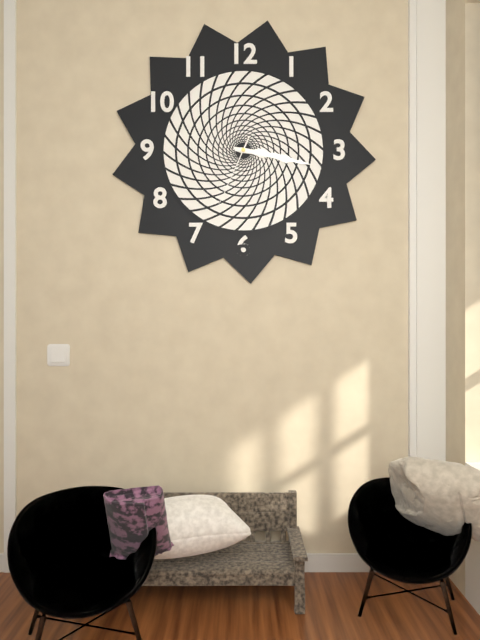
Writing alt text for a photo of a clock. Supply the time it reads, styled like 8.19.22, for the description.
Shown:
3.17.34
